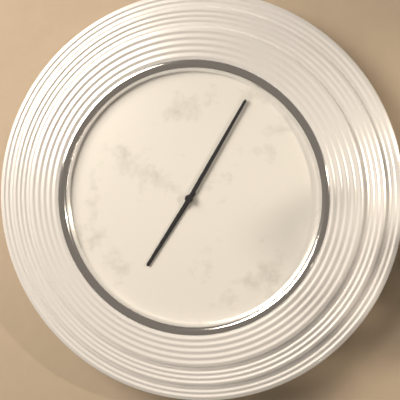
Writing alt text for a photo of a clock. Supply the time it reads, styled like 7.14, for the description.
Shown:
7.05
